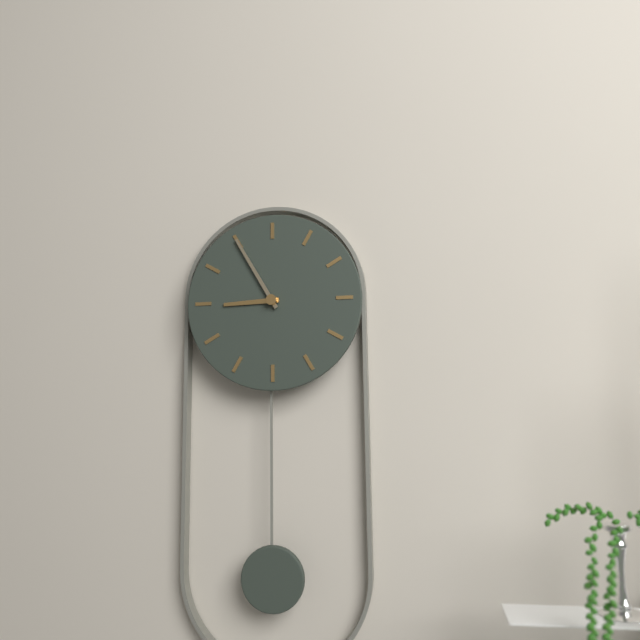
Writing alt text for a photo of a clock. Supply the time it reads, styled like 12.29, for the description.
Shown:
8.55
